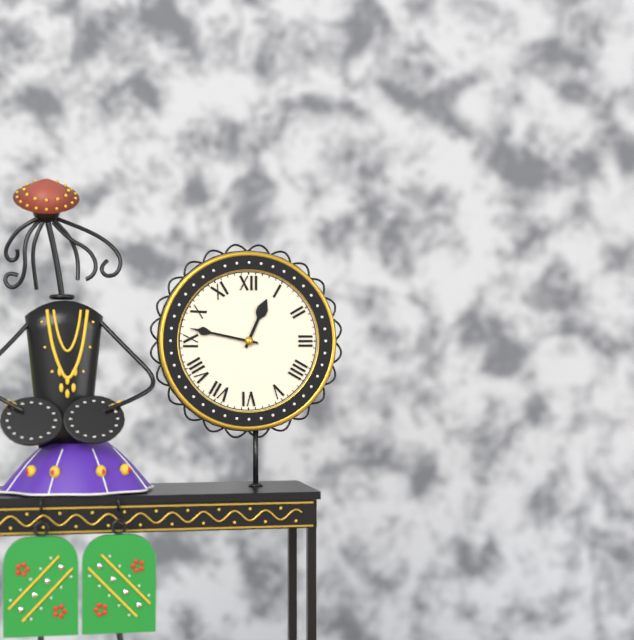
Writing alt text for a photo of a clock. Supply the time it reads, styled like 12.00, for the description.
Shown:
12.47
